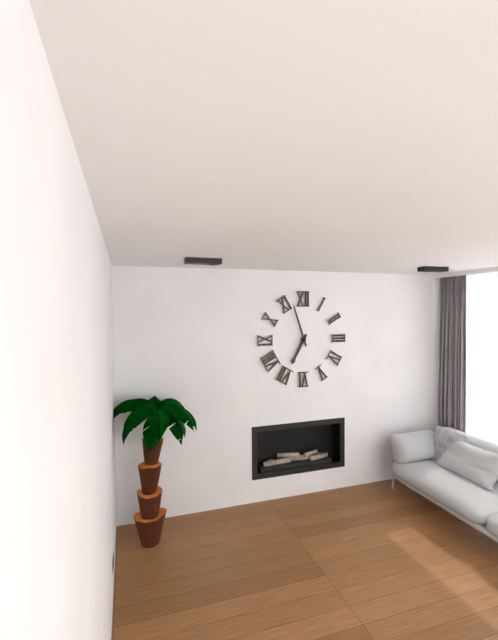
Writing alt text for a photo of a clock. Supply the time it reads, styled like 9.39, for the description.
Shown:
6.57
